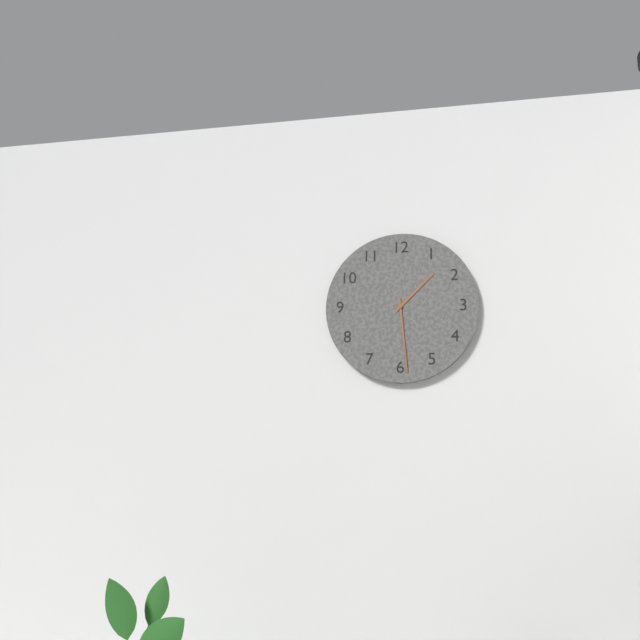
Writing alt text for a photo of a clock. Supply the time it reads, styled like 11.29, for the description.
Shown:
1.29
